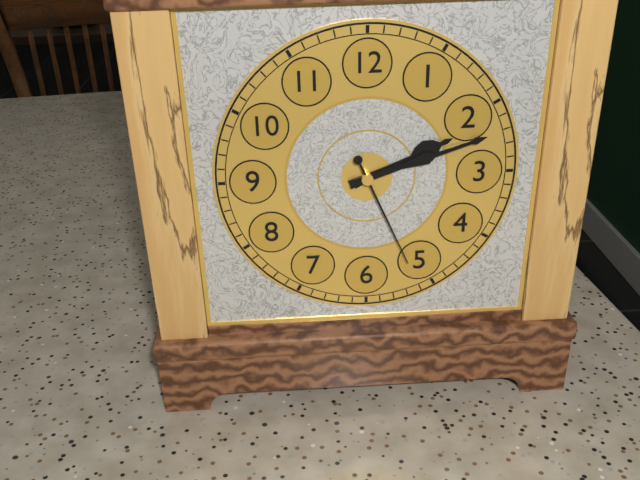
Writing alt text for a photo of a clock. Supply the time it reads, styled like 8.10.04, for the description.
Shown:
2.12.26
